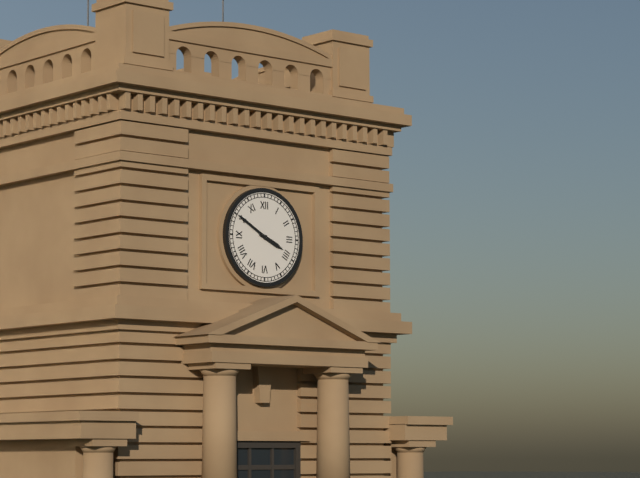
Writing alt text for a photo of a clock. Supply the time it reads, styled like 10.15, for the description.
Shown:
3.50
